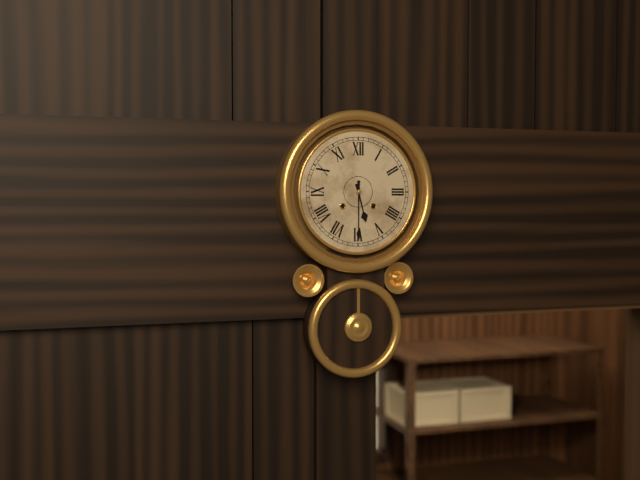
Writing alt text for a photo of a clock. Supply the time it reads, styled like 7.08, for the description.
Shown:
5.30
